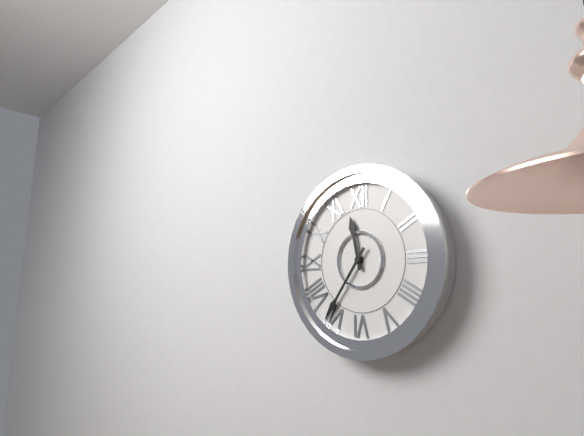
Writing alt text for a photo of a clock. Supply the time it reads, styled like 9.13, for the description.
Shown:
11.36
